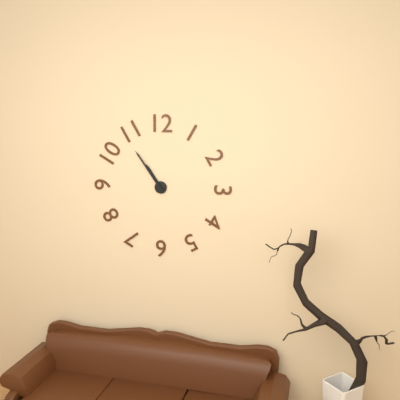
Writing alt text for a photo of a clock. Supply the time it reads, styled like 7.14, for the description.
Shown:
10.54
